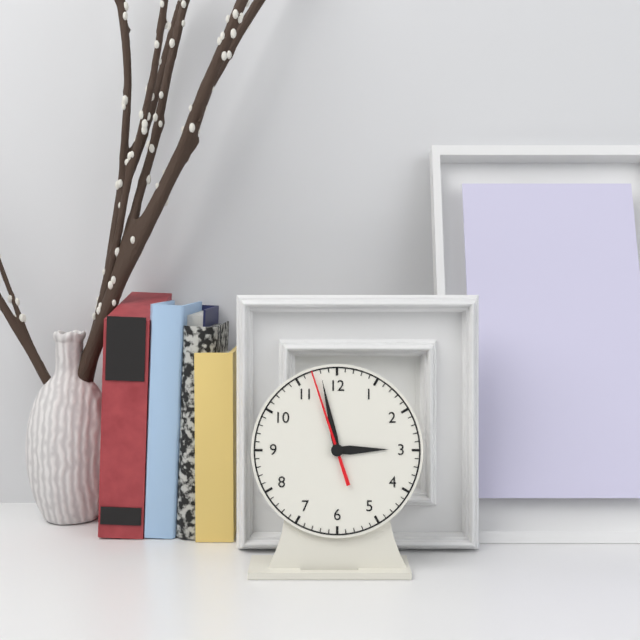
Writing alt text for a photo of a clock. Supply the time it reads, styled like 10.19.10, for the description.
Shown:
2.58.57
